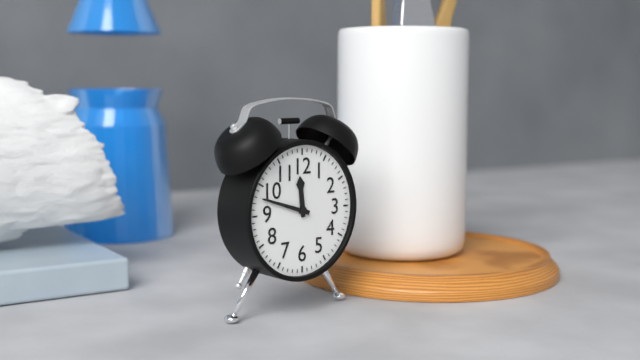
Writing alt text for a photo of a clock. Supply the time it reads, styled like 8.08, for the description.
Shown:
11.48
